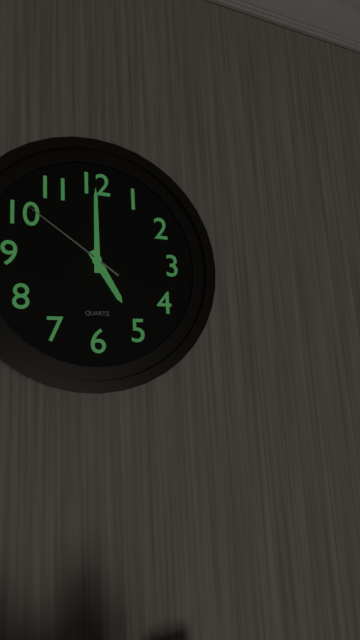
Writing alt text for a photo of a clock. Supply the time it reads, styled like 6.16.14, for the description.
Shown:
5.00.51
